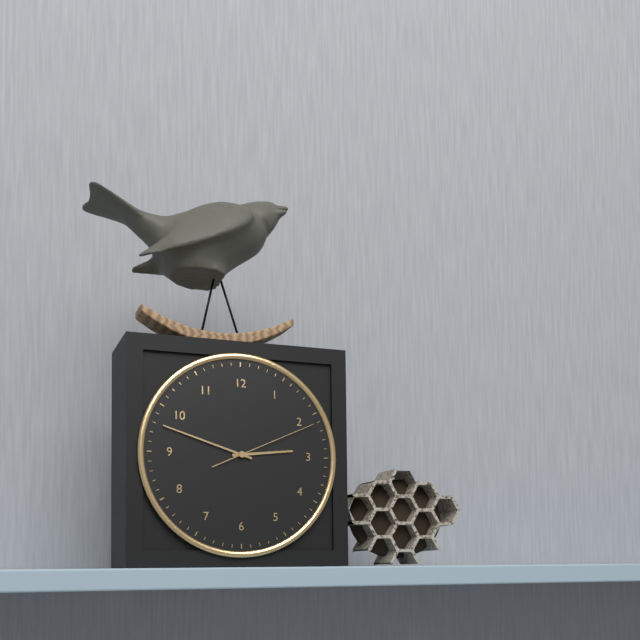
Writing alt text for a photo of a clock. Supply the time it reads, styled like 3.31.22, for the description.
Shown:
2.48.11
